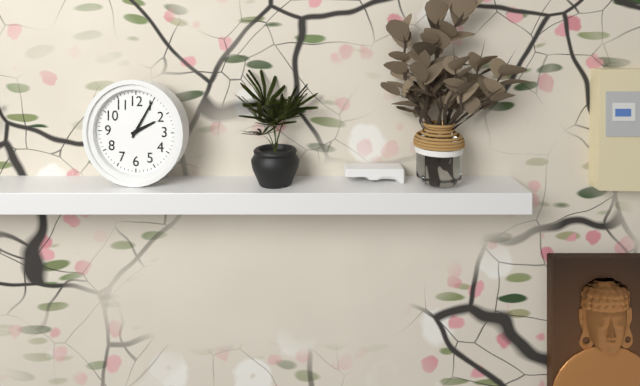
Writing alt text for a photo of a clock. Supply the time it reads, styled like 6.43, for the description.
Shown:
2.05
